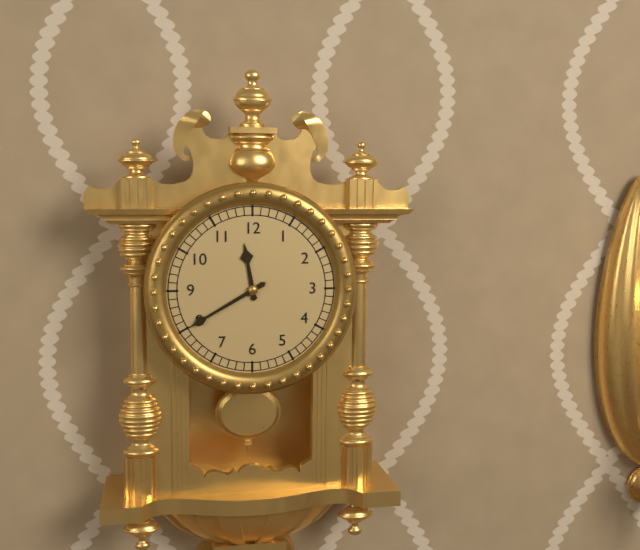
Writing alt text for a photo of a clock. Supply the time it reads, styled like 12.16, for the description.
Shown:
11.40
